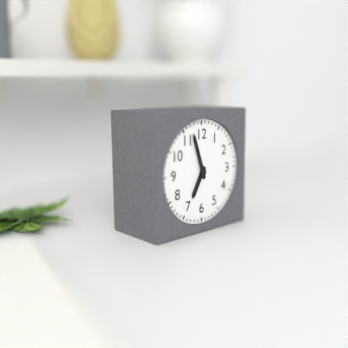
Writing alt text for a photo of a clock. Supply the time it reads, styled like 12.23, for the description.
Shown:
6.57
